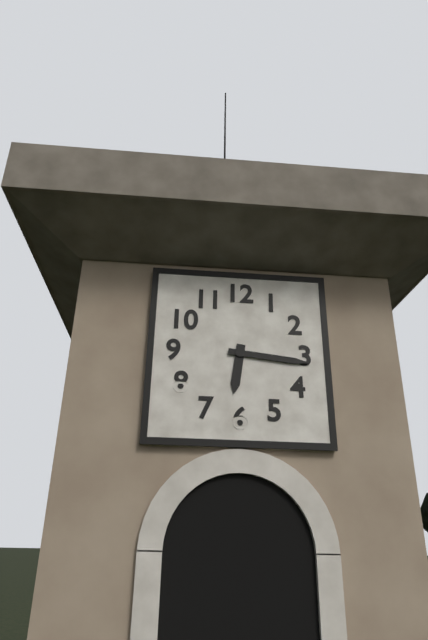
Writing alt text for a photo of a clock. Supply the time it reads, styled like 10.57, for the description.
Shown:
6.16
